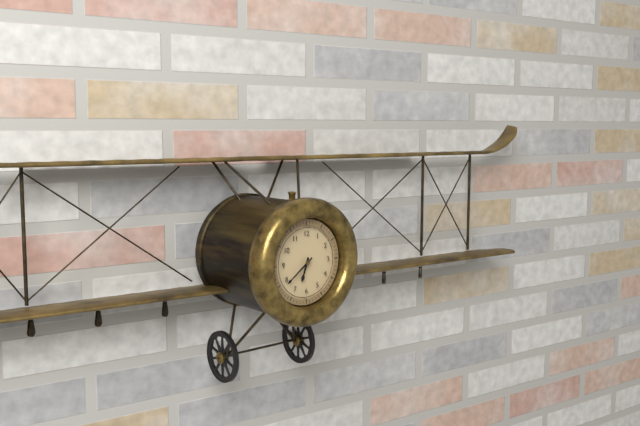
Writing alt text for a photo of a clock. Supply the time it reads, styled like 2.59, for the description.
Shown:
6.39
